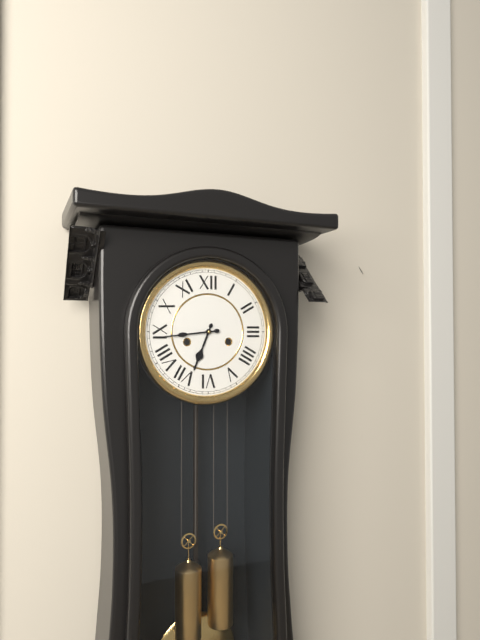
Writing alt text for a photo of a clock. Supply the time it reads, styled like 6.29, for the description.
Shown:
6.44
